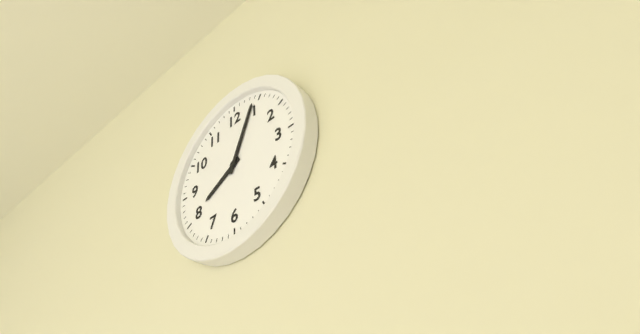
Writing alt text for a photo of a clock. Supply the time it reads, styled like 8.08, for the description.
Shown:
8.04
